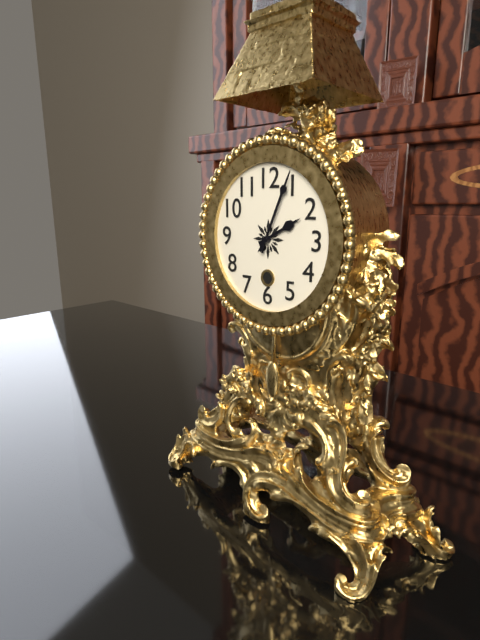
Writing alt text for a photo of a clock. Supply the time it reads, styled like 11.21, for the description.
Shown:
2.04
